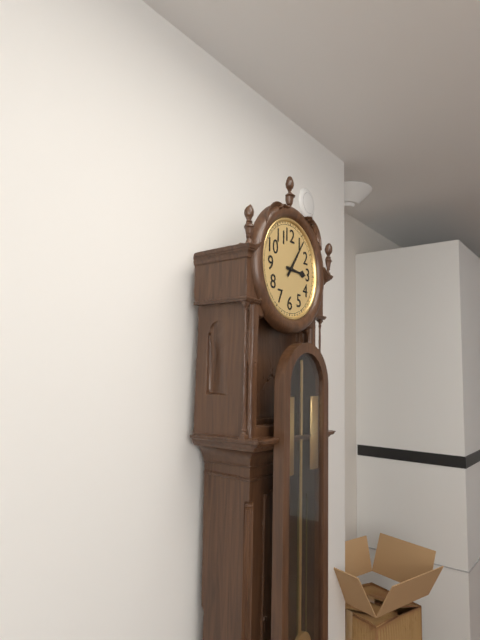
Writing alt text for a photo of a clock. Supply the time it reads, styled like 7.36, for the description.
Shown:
3.06
